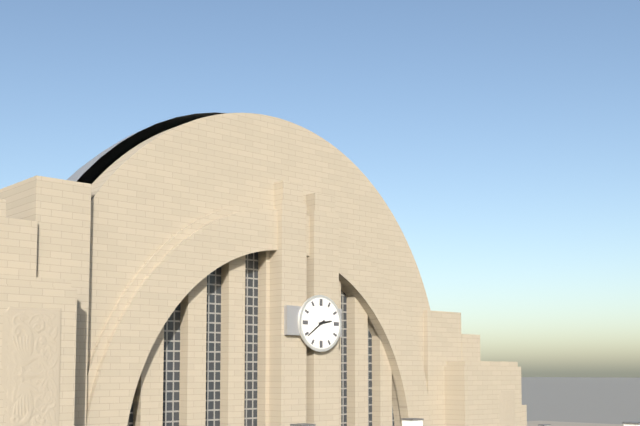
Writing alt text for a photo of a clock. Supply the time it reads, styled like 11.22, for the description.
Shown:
2.39
